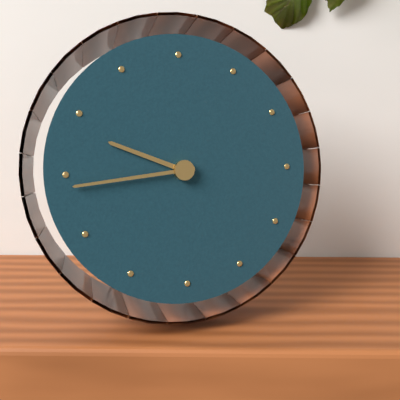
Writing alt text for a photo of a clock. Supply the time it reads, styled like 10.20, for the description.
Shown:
9.44
